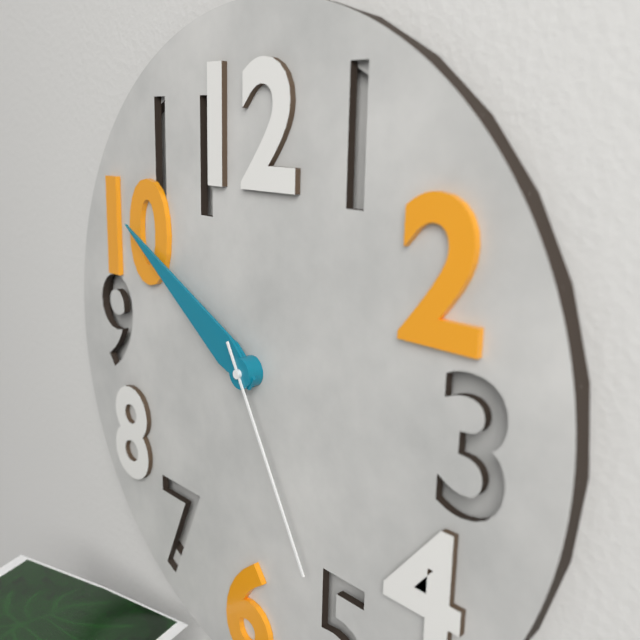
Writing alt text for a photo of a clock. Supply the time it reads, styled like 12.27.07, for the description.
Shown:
9.50.25
